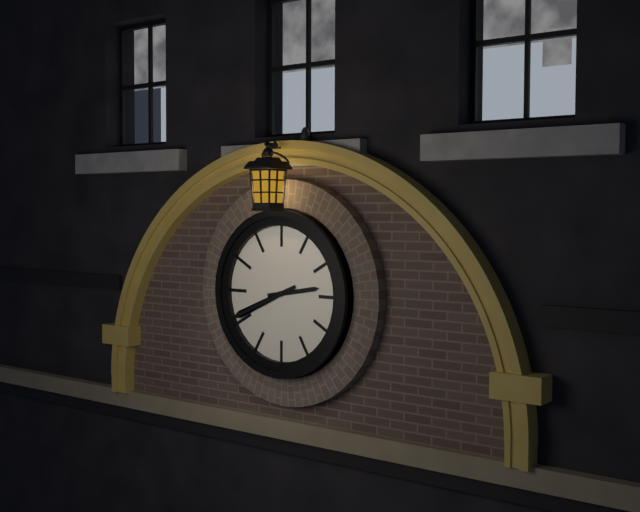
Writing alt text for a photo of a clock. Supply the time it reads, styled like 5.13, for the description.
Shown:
2.41
